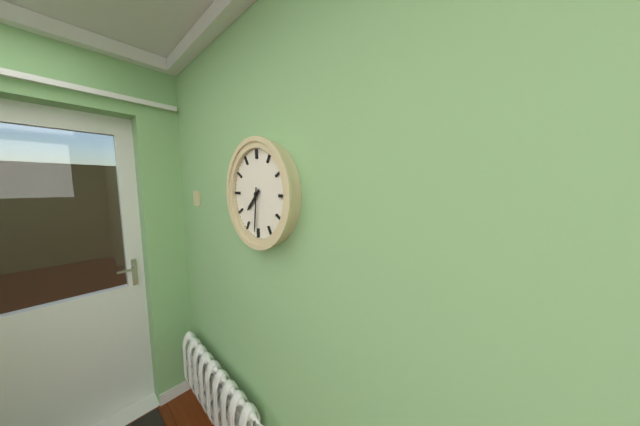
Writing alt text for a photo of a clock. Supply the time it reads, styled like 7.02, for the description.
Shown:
7.31
